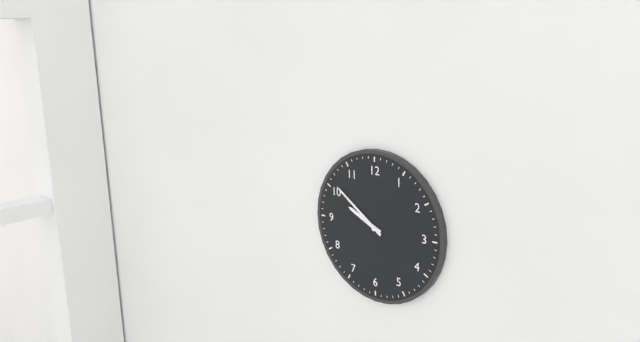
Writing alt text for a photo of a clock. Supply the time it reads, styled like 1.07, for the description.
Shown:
9.51
